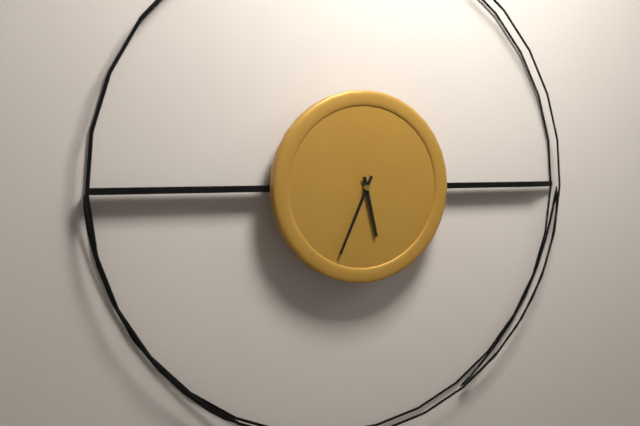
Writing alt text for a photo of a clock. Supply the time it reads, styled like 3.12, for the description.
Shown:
5.34
